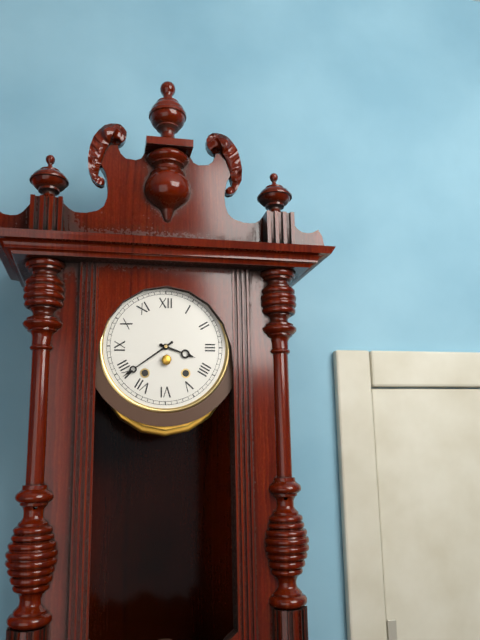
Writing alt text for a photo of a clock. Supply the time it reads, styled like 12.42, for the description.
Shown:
3.39
